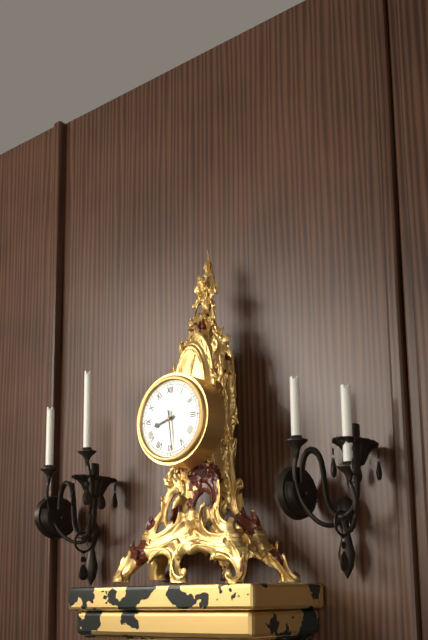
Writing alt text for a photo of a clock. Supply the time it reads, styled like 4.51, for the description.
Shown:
8.29
